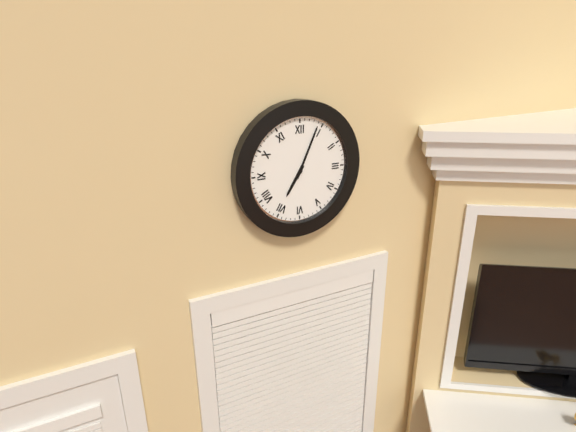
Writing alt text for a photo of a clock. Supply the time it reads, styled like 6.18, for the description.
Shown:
7.04
